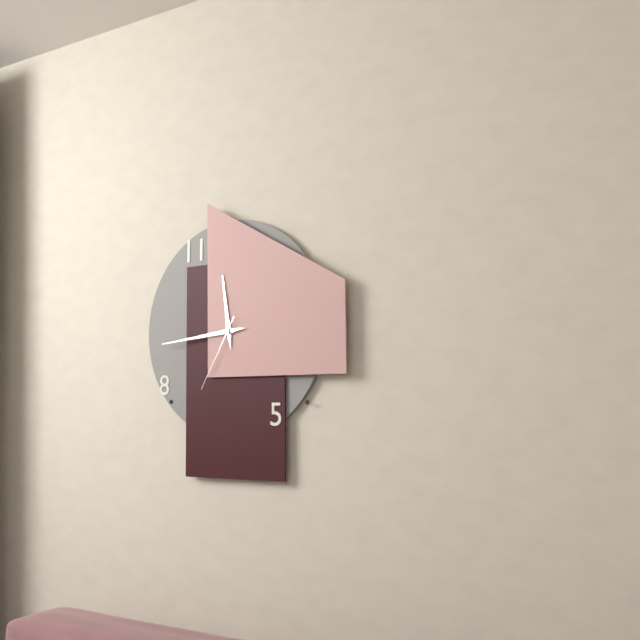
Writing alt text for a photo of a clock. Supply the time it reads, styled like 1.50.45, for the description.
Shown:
11.44.35
